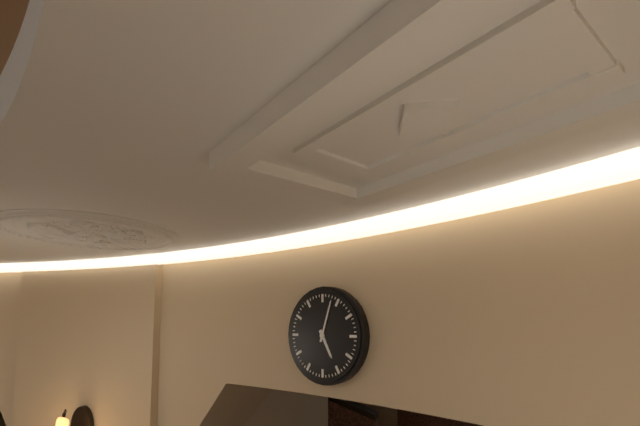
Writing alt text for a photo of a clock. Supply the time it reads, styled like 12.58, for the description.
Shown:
5.03
